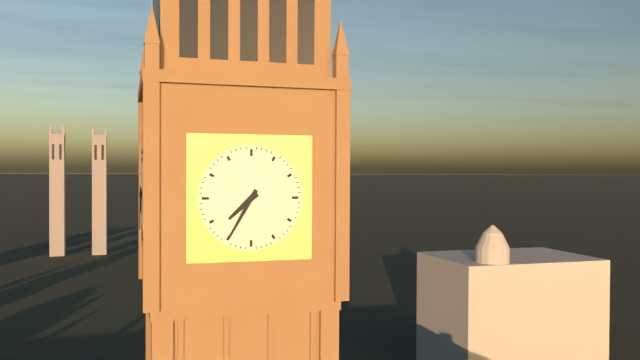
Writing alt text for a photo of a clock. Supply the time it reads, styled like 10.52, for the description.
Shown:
7.35
